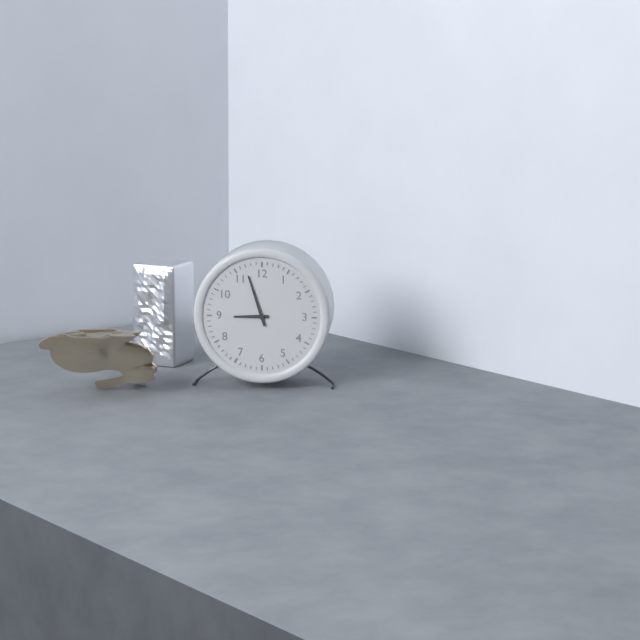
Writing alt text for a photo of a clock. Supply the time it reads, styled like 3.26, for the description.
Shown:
8.57
